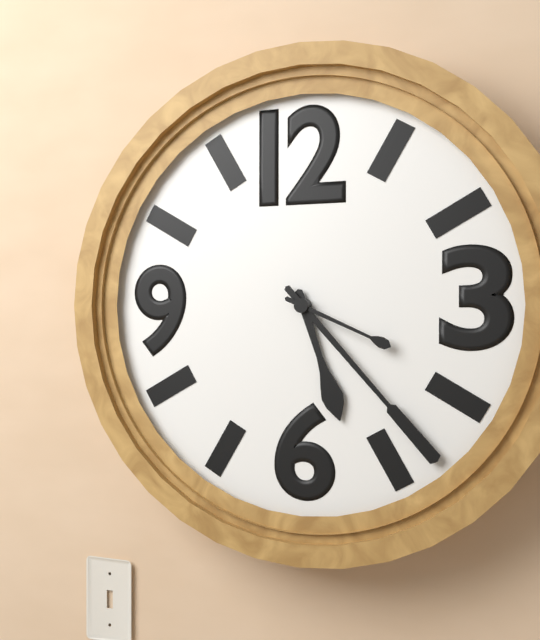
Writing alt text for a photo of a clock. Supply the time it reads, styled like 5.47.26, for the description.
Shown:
5.23.19
